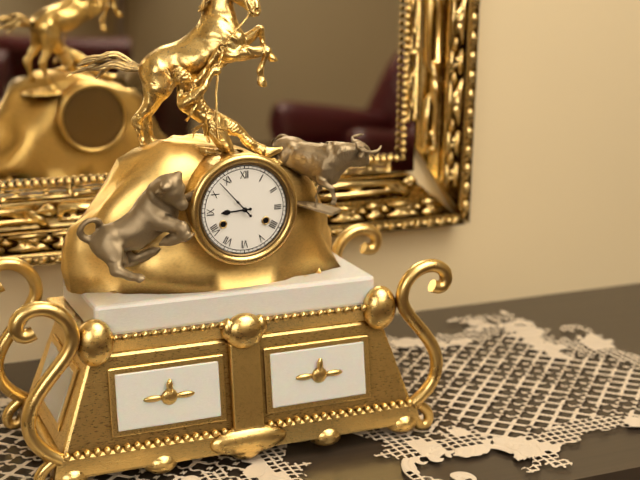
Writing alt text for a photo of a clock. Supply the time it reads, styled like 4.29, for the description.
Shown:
8.53
